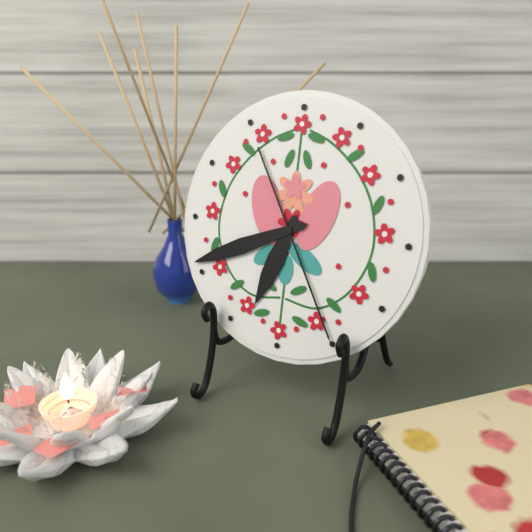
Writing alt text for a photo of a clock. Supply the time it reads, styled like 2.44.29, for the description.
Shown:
6.41.25
